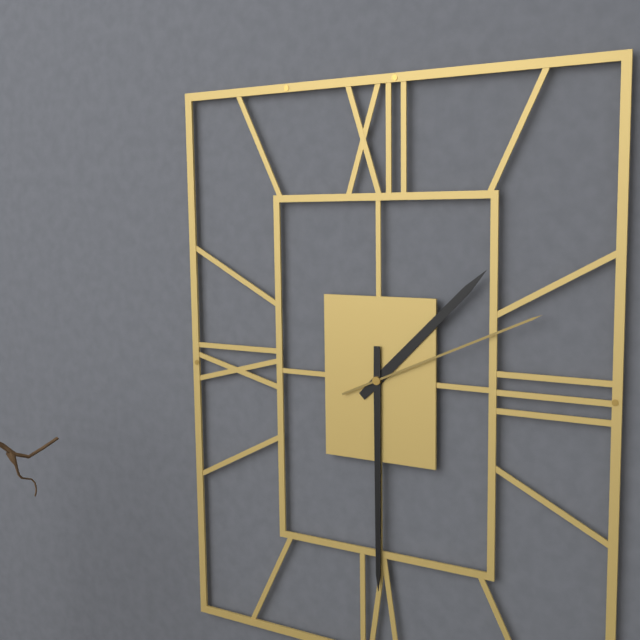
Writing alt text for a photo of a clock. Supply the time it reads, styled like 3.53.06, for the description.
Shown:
1.30.11
